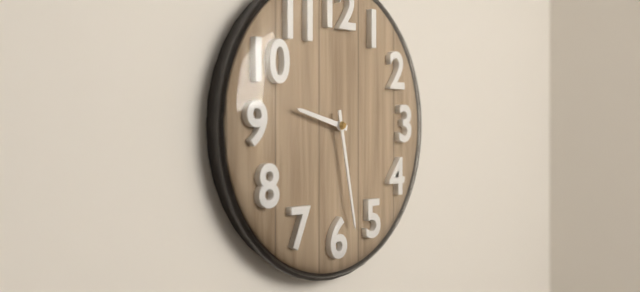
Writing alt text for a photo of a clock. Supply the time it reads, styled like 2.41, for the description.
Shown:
9.28
